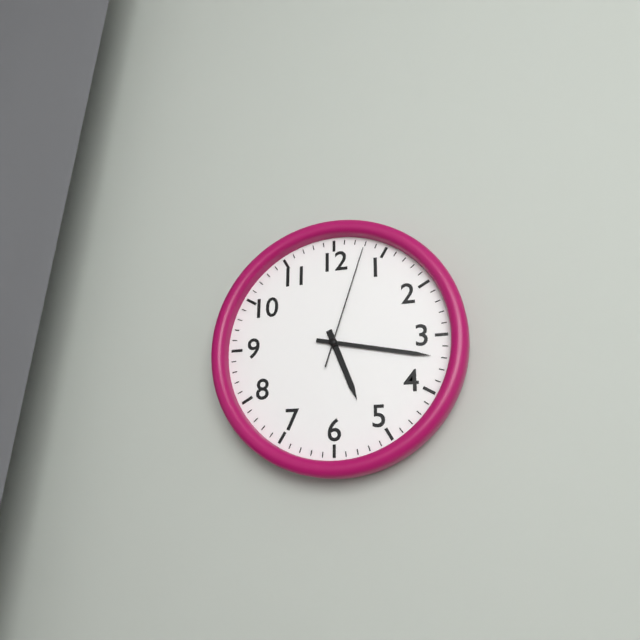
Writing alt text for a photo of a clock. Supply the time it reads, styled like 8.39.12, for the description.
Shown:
5.17.03
